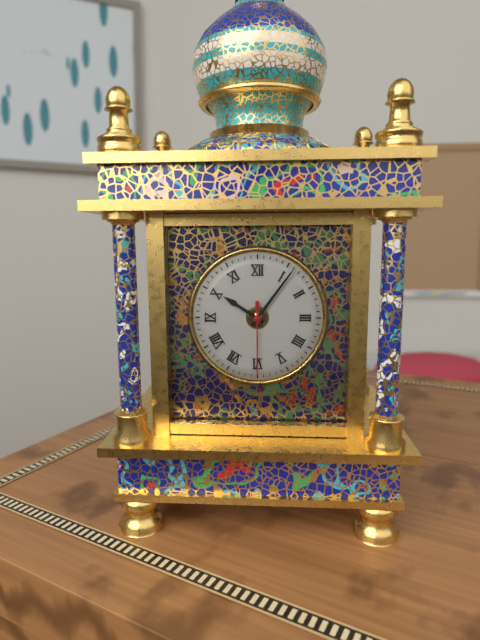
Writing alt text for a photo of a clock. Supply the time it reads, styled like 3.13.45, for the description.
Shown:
10.06.30
